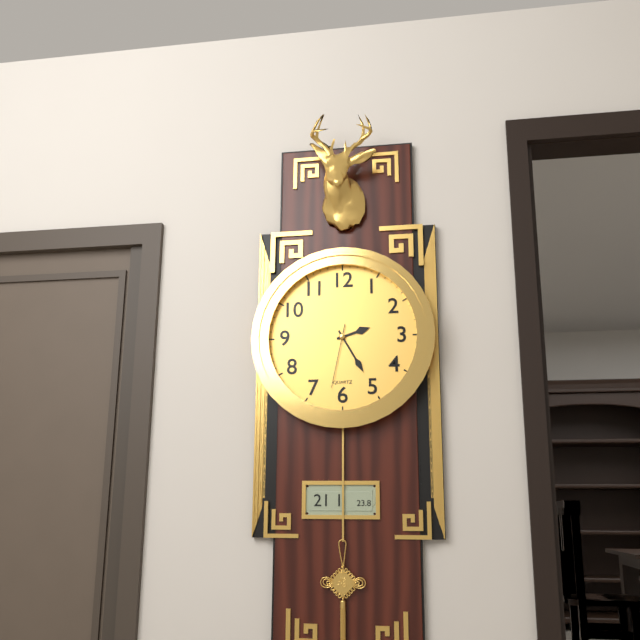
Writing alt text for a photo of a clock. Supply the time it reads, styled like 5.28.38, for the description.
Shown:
2.25.32
